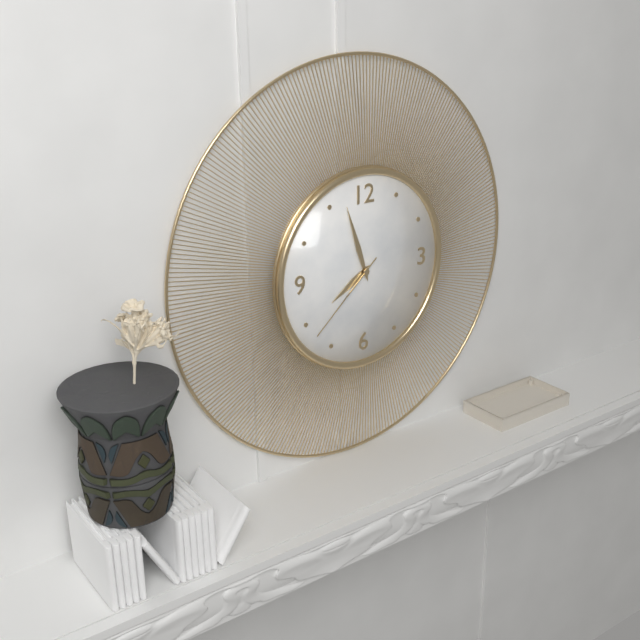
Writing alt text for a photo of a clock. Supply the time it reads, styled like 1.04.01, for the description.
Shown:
7.57.38
